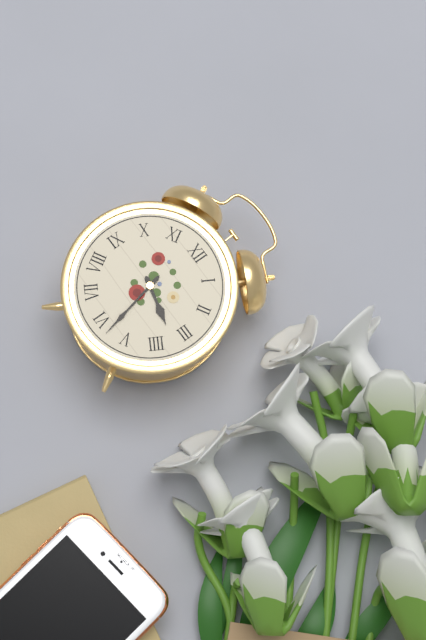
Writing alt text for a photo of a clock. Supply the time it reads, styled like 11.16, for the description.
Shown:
3.28
